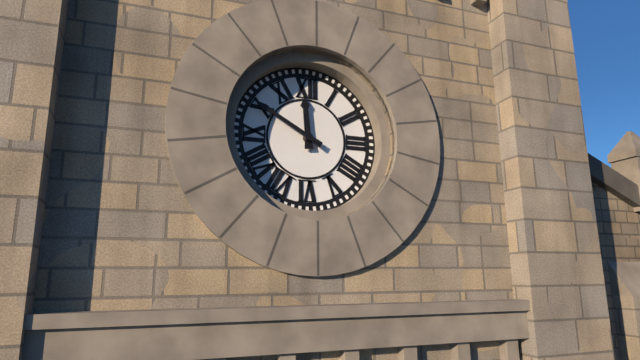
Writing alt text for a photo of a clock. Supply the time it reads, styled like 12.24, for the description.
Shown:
11.50
